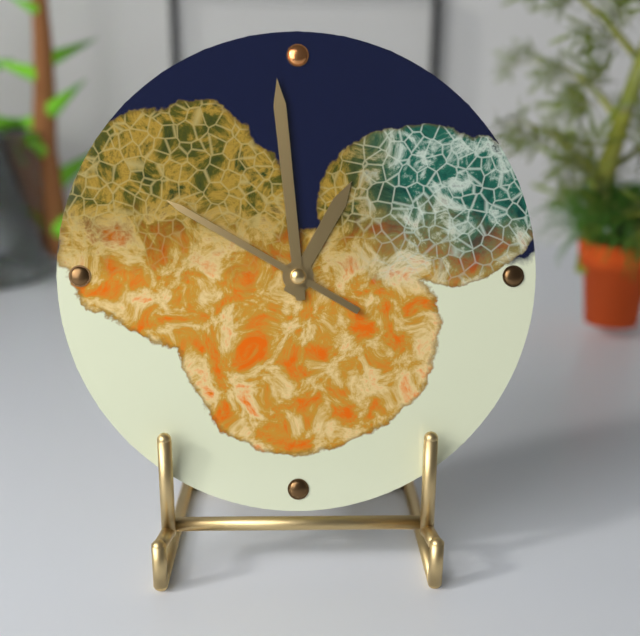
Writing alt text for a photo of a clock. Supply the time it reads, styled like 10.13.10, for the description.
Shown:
12.59.50
